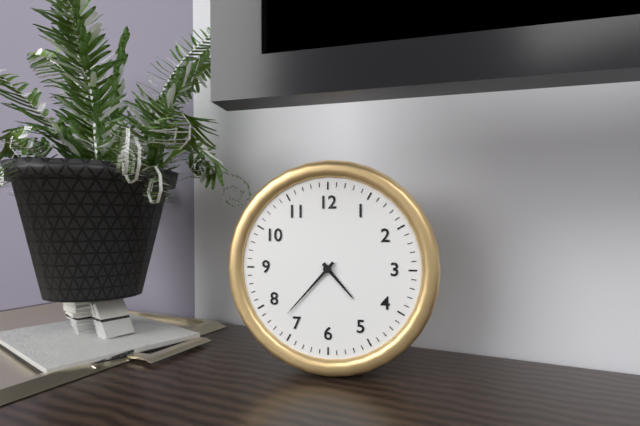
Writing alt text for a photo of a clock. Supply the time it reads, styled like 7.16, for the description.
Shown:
4.37
